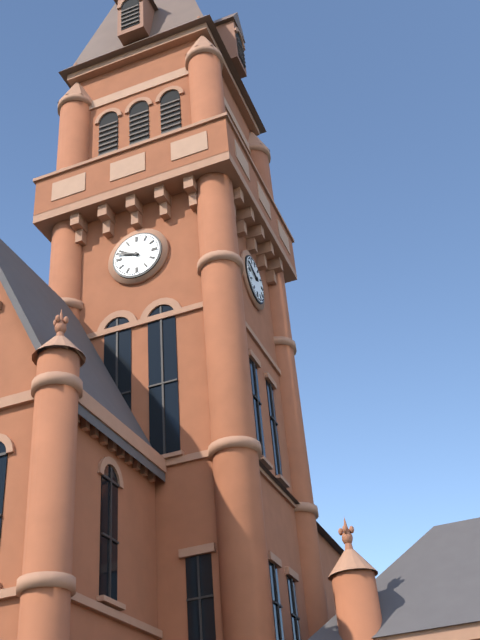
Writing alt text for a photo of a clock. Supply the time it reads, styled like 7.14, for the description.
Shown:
9.48
